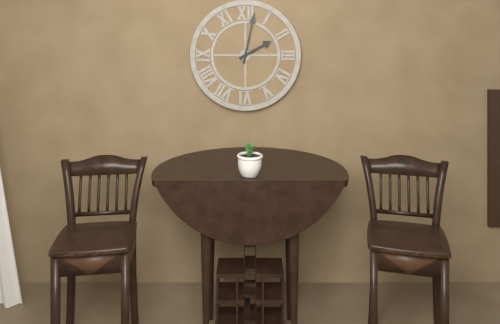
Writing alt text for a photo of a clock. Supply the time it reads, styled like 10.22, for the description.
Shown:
2.02
